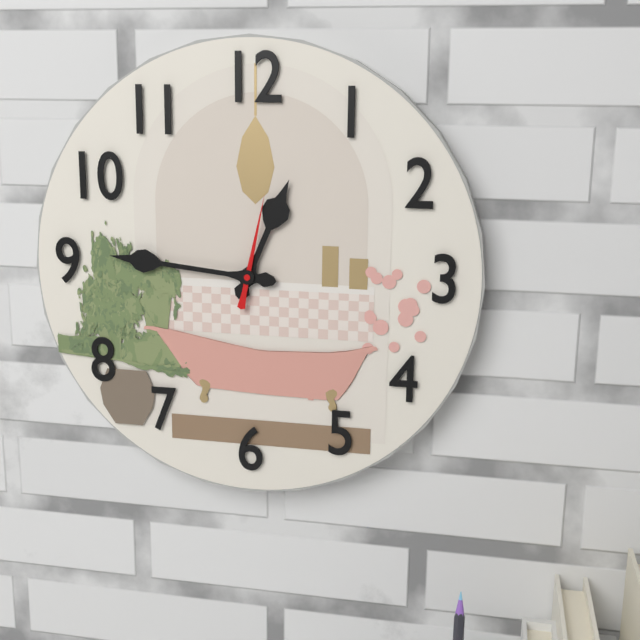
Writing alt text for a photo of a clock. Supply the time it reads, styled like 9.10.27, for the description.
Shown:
12.46.02
